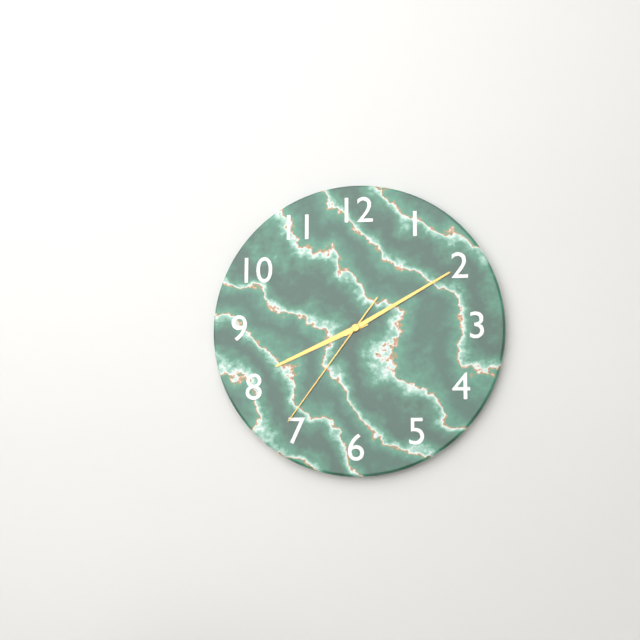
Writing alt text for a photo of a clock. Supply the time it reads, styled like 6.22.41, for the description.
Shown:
8.10.36
